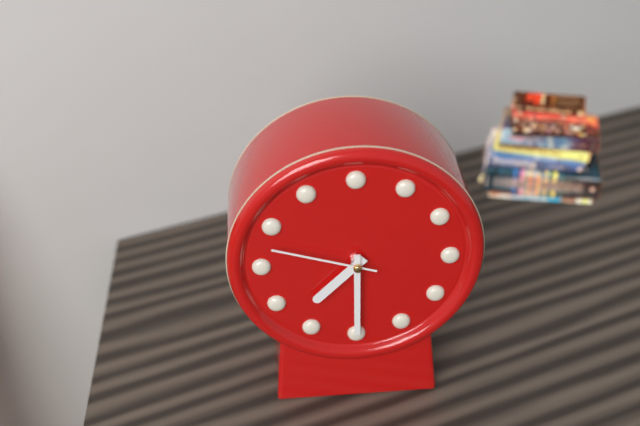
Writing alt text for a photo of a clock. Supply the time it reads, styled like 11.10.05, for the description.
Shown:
7.30.48
